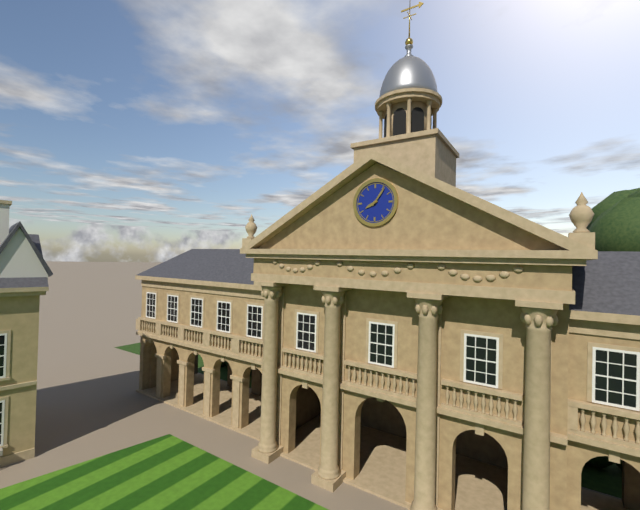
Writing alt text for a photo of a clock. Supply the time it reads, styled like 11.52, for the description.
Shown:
8.06
